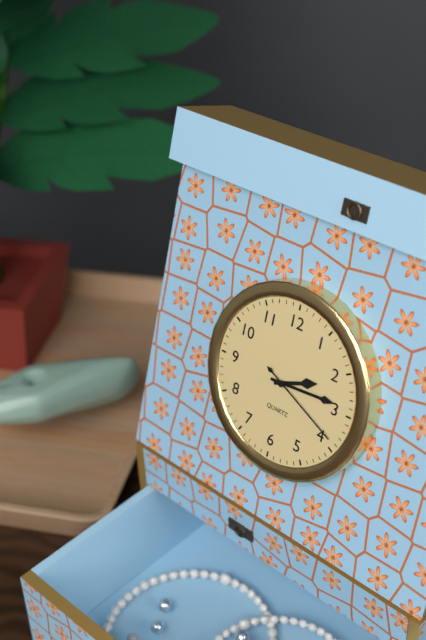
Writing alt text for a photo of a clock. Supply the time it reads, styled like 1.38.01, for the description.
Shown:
2.14.19
